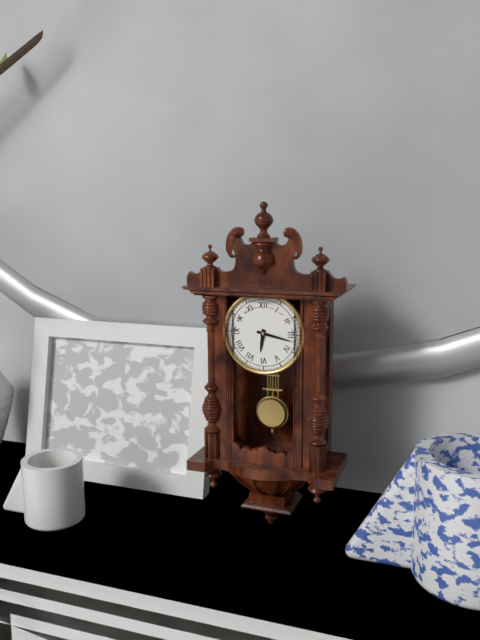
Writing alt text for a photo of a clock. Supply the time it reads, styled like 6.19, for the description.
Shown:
6.17
